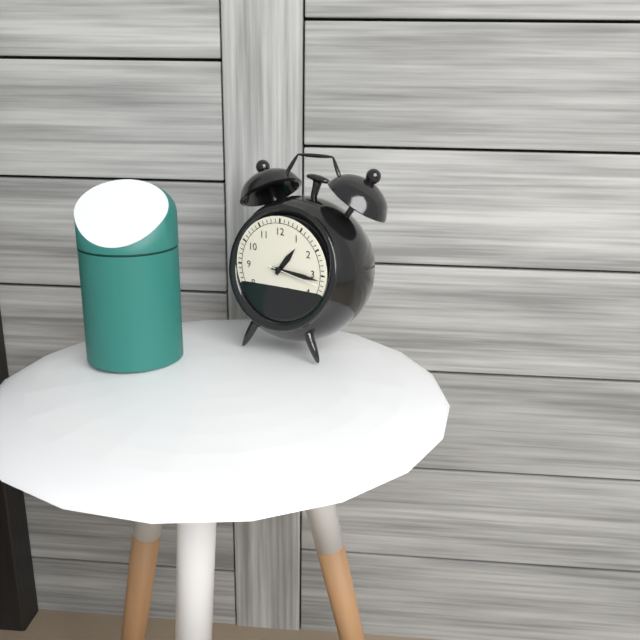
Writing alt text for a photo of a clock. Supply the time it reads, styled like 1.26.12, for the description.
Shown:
1.16.17
